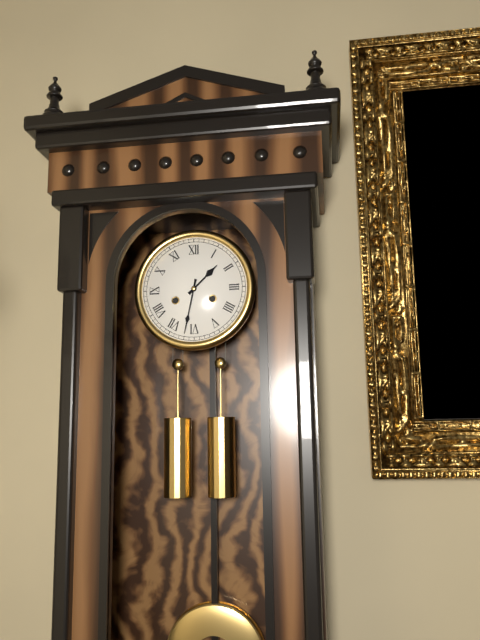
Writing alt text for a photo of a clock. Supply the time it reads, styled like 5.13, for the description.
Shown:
1.32
